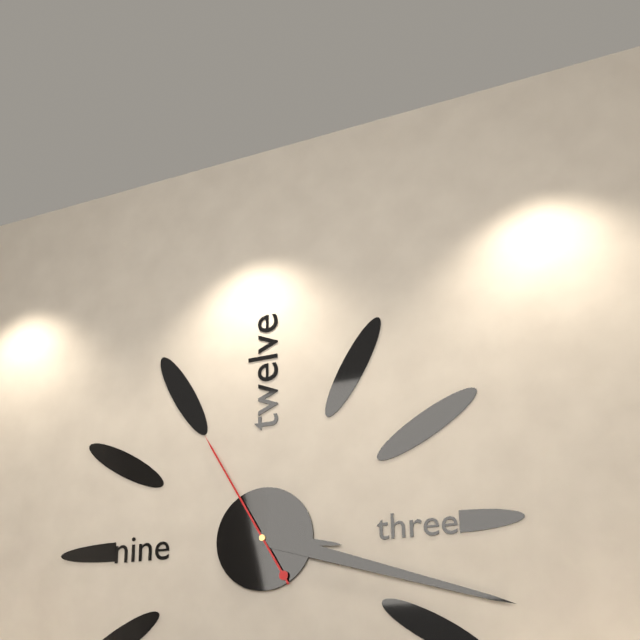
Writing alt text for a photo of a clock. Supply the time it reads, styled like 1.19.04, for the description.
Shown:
3.18.55
